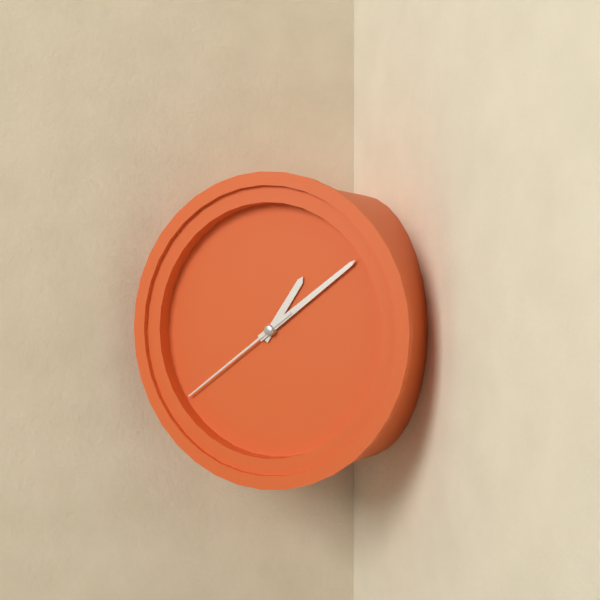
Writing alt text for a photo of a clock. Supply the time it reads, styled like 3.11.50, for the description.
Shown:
1.09.39
